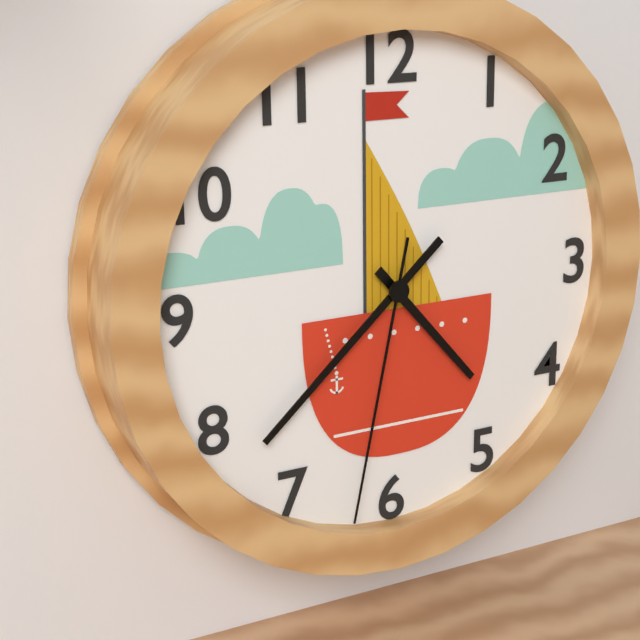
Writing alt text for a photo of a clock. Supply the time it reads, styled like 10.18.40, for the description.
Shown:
4.38.32
